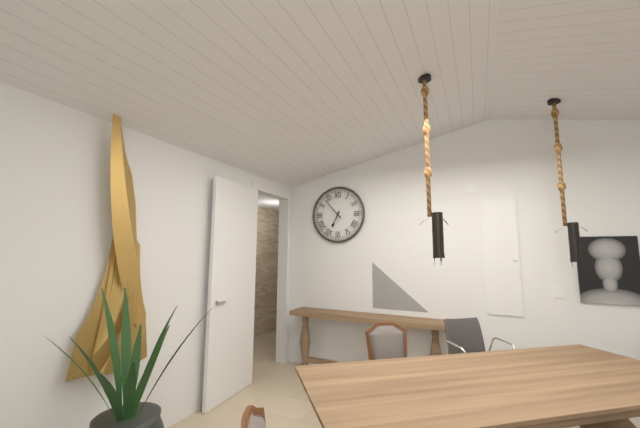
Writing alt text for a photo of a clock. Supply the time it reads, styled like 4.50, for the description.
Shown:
6.53
